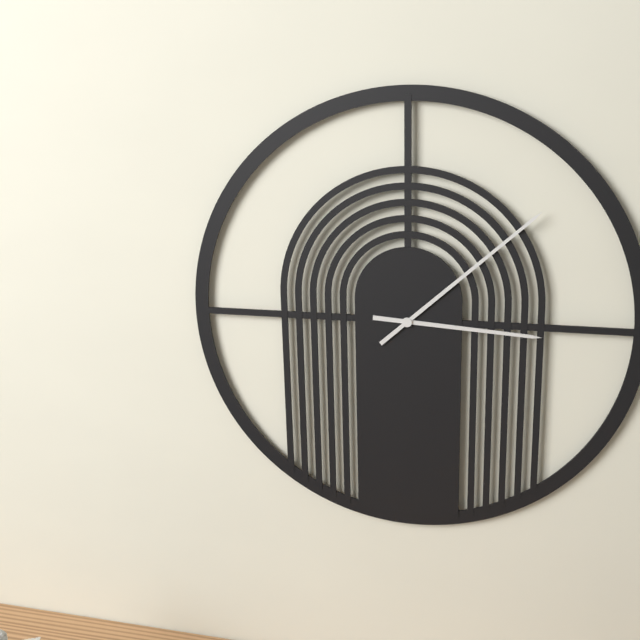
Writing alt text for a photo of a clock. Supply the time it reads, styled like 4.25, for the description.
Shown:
3.08
